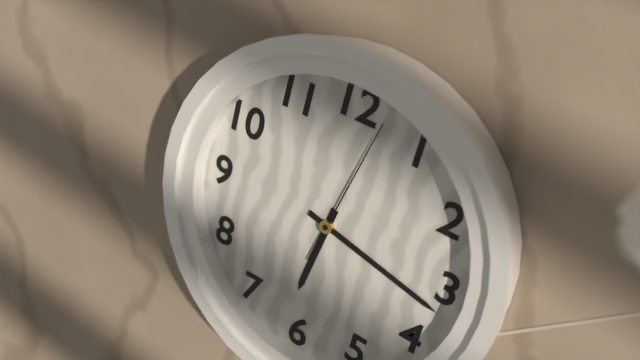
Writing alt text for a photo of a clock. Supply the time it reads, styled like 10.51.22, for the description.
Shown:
6.17.02
